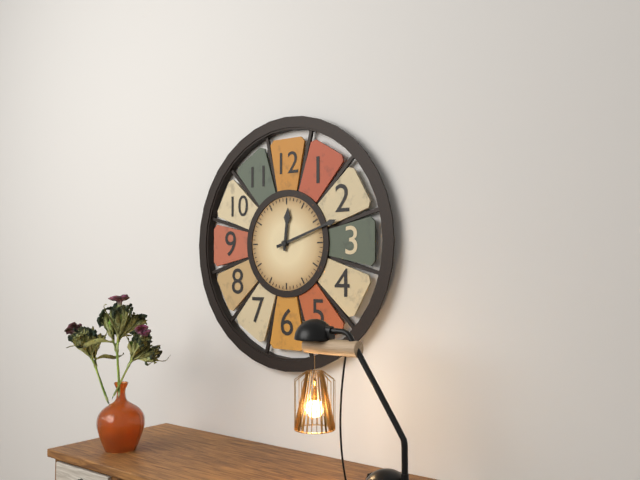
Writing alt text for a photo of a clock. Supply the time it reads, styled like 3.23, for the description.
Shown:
12.12
